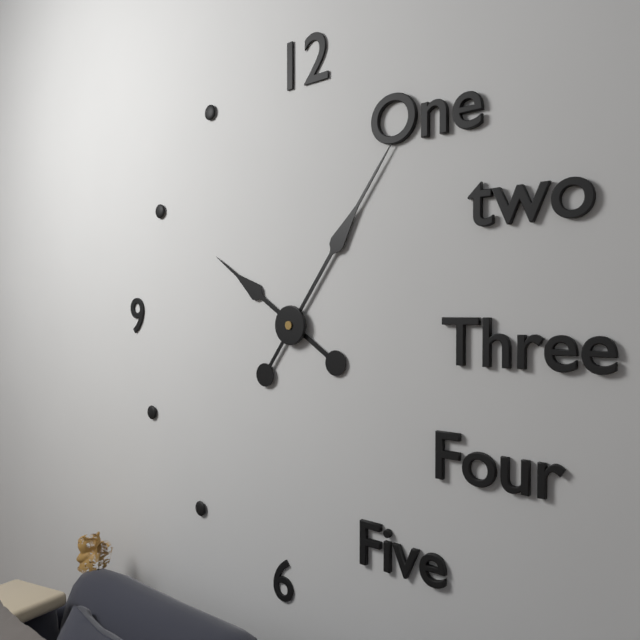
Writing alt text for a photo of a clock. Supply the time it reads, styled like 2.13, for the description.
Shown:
10.06
